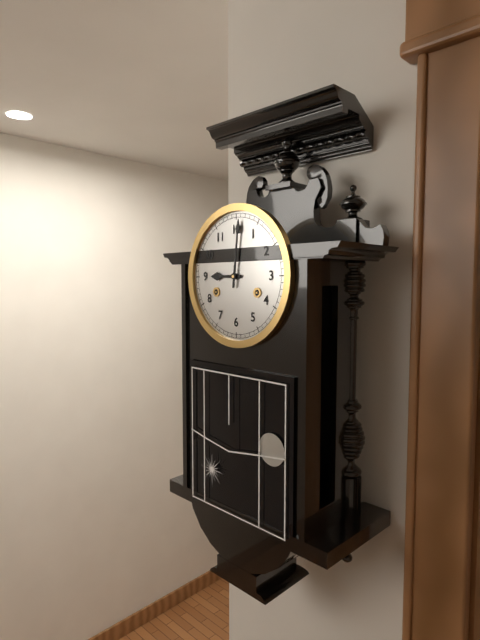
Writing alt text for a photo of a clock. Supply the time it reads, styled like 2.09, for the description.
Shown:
9.01
